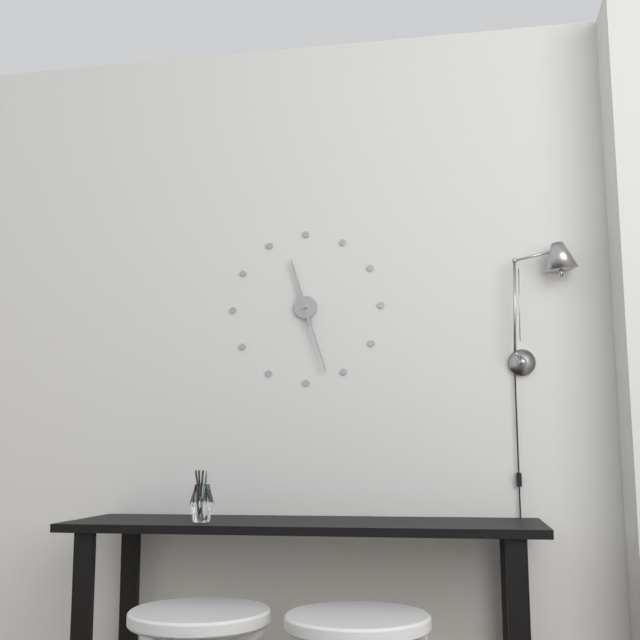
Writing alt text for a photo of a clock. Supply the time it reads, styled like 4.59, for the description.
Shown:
11.27
